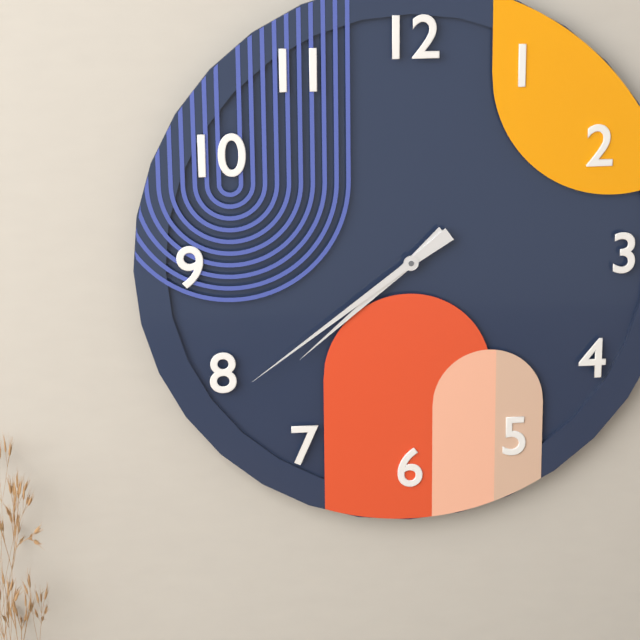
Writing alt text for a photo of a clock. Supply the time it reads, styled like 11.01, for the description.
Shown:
7.39
